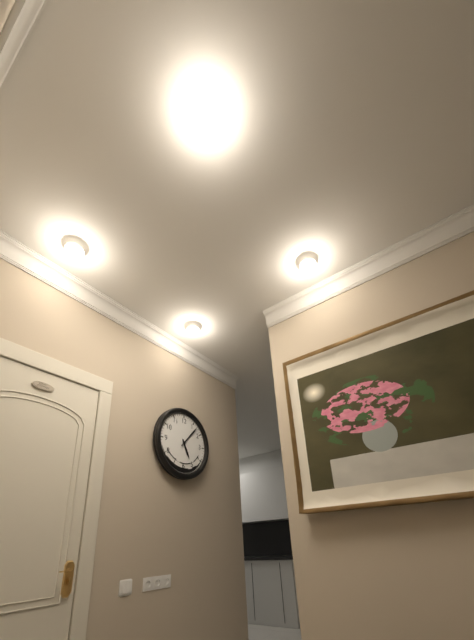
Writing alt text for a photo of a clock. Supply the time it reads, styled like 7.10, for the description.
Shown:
5.07
